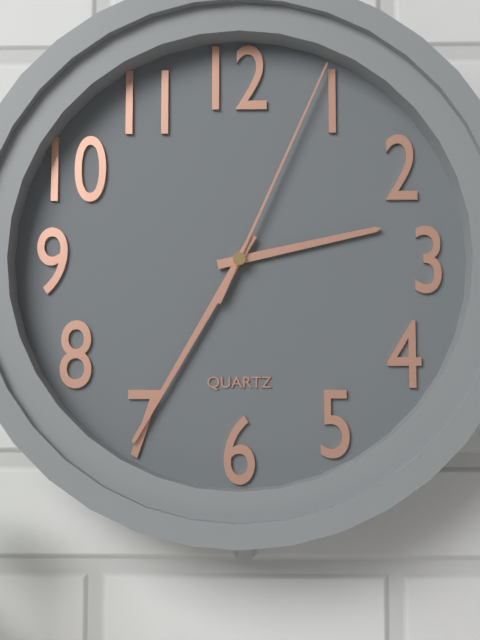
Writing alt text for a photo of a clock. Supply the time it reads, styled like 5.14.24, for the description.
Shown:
2.35.04
